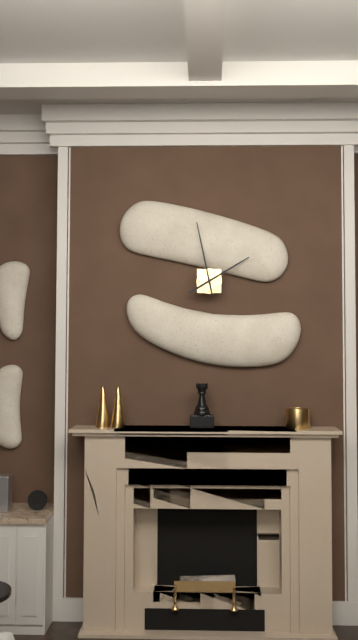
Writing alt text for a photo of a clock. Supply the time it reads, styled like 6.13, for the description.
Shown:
1.58
